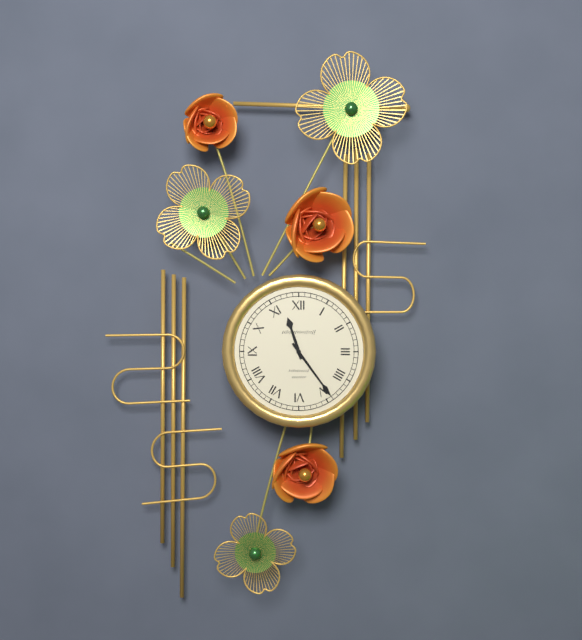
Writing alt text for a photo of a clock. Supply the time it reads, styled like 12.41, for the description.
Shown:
11.24
